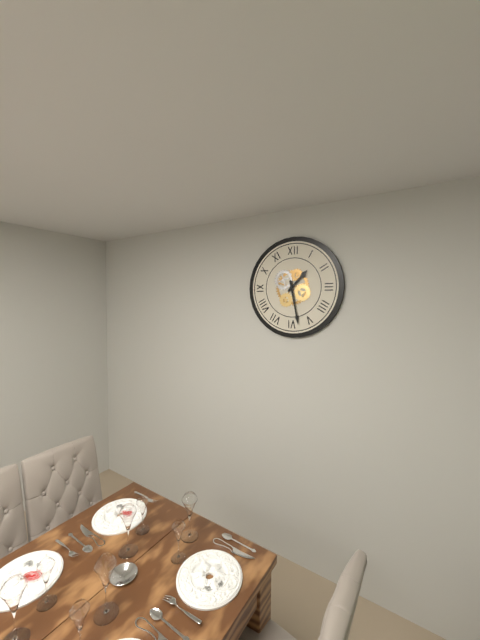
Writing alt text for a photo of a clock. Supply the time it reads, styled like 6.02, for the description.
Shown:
1.28
